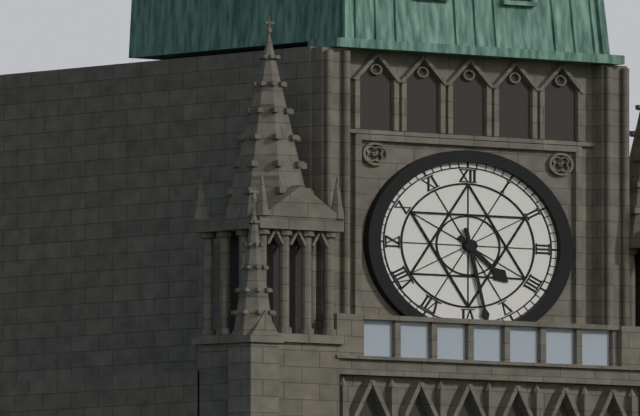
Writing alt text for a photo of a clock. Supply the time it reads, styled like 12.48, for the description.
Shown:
4.28
